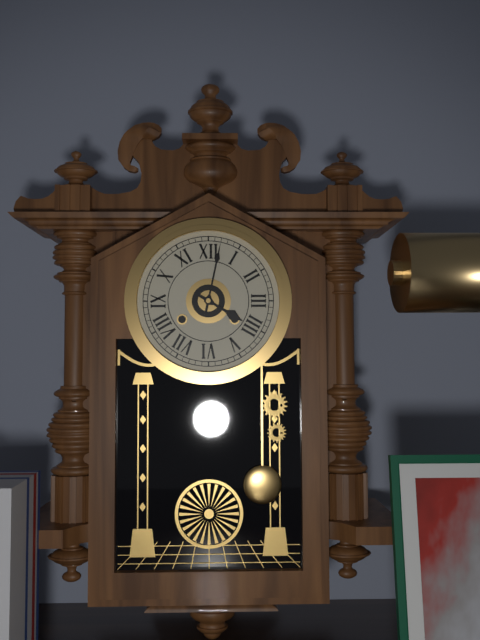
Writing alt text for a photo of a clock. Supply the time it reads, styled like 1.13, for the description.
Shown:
4.02
